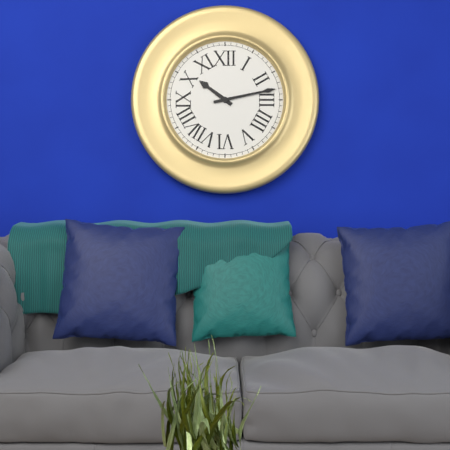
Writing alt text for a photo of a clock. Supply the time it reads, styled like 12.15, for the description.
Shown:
10.13
